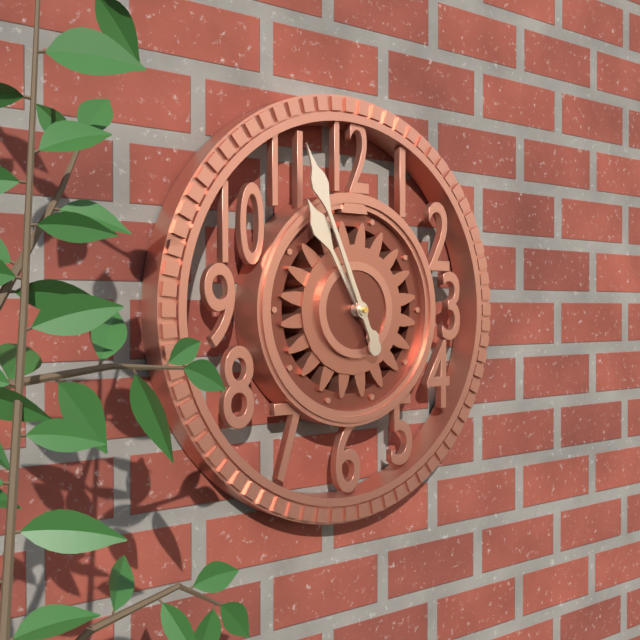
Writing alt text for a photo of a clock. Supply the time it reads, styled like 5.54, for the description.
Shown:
10.56
